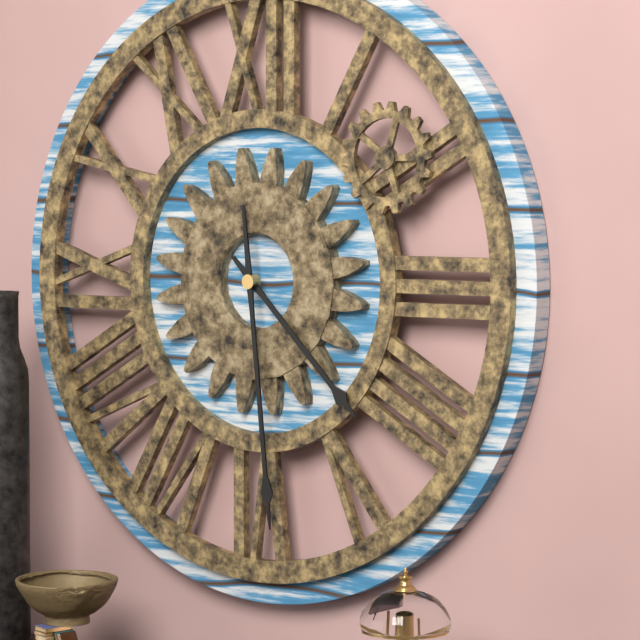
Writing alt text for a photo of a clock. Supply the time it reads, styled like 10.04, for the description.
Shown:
4.29
